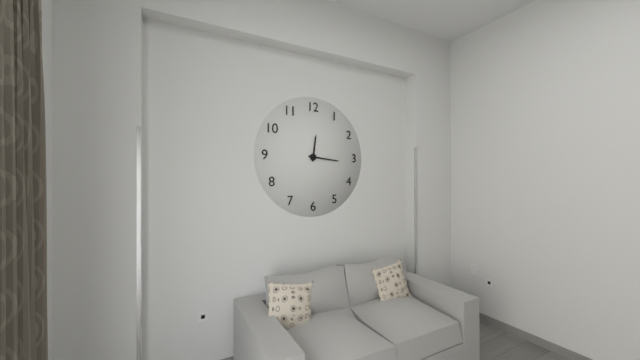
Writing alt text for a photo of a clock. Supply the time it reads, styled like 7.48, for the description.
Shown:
12.16
